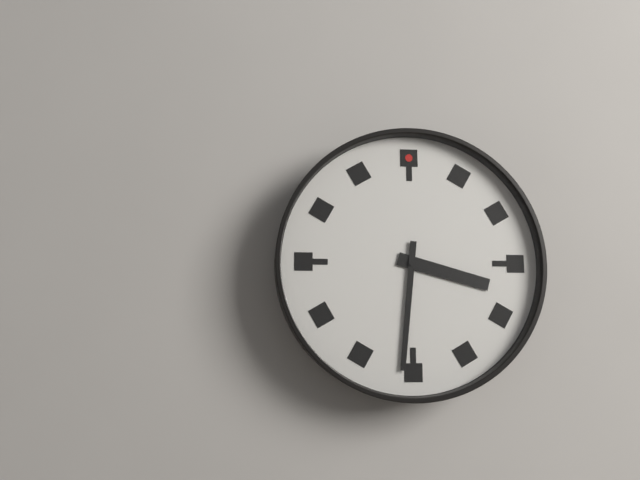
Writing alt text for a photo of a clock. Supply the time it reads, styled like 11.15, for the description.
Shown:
3.31
